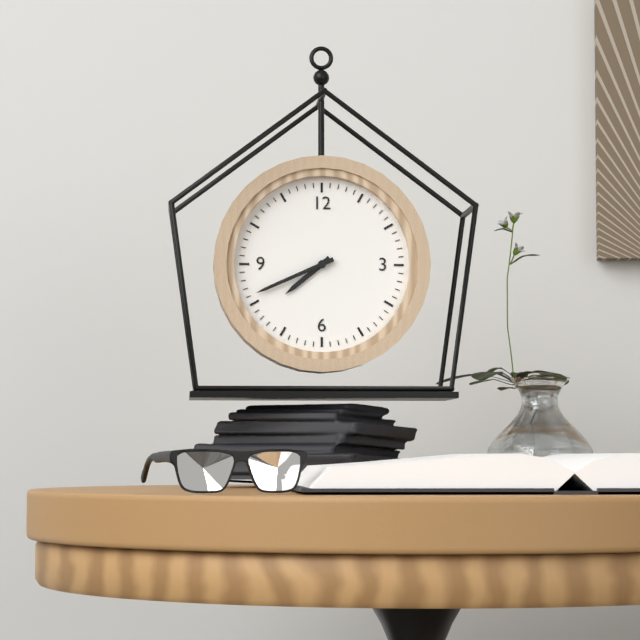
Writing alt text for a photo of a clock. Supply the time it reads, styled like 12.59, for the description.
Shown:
7.41
